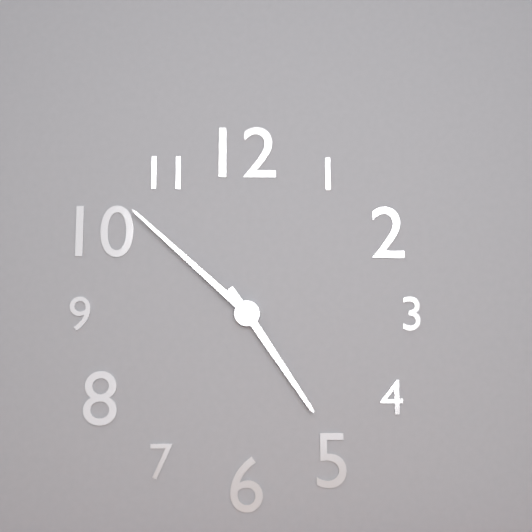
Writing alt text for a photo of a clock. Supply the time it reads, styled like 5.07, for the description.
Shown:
4.52
